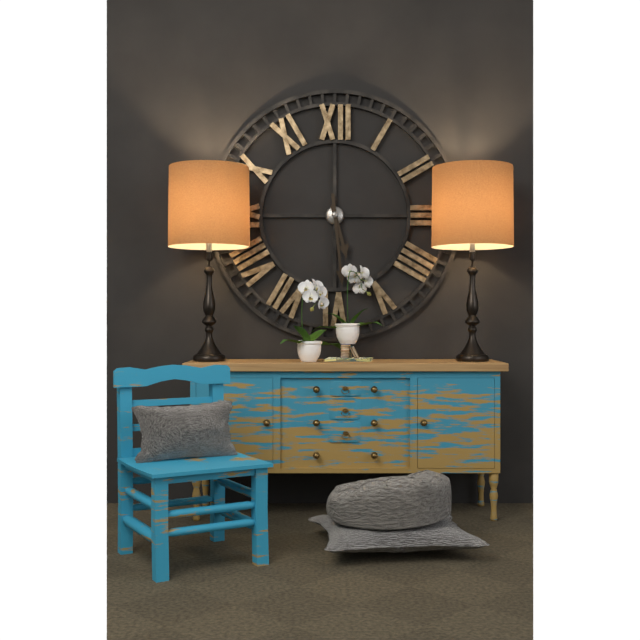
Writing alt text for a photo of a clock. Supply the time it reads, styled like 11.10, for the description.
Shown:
5.29
